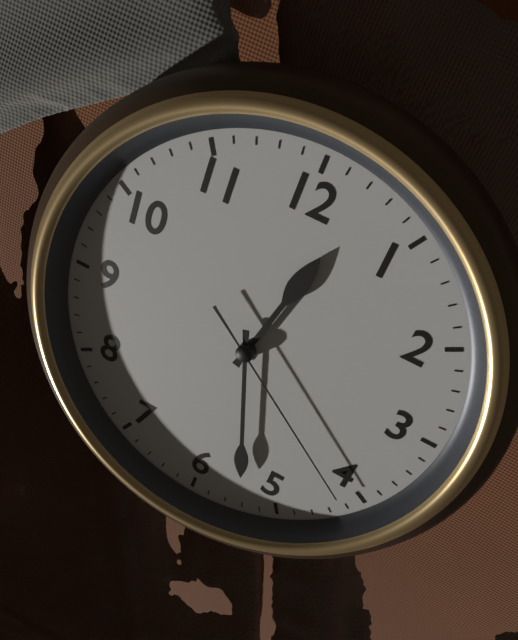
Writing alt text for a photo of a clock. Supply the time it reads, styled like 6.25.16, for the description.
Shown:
12.27.21
